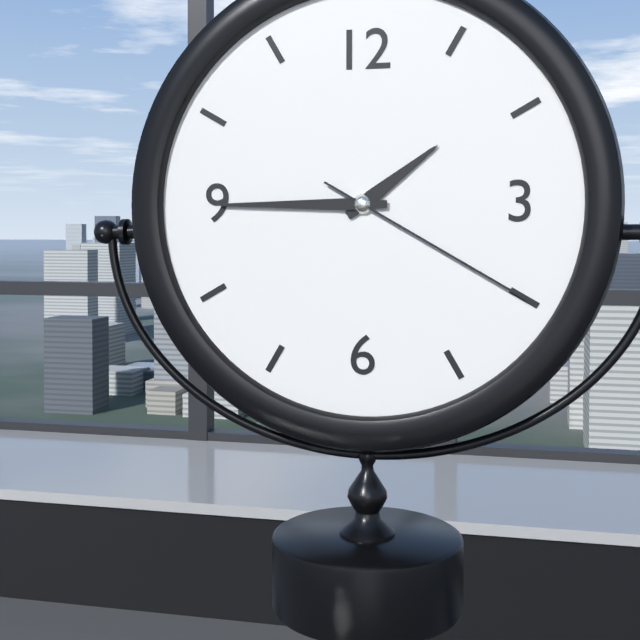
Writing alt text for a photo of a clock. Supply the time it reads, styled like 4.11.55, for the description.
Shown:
1.45.20
